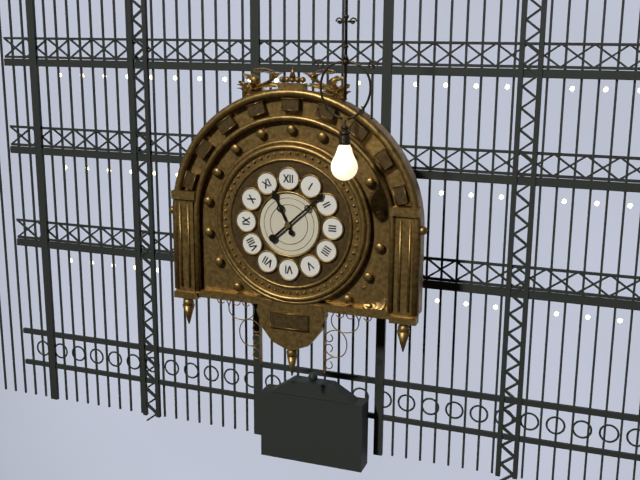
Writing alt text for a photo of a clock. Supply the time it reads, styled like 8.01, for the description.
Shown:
11.08
